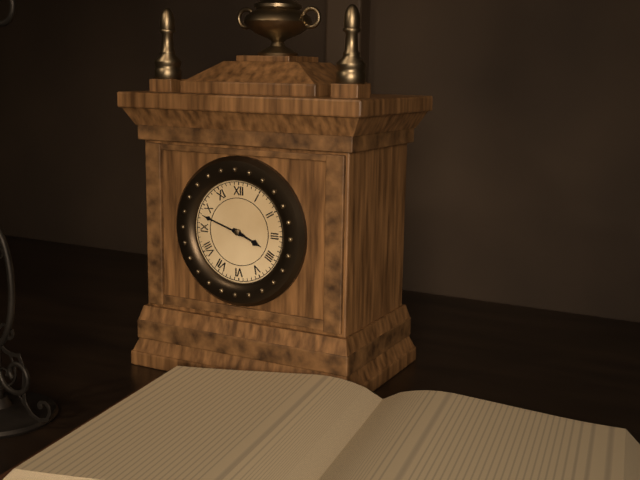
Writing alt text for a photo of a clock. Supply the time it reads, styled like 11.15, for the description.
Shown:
3.48
